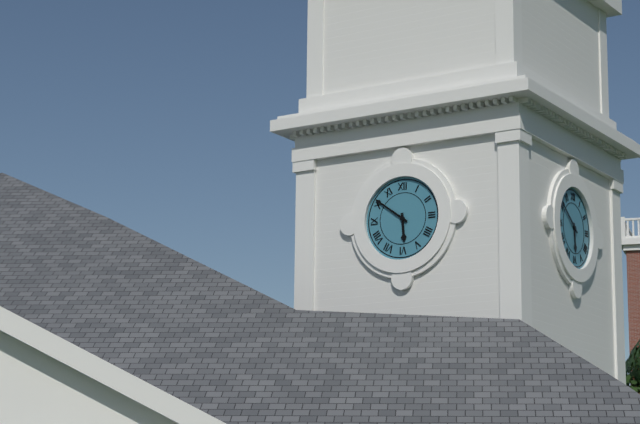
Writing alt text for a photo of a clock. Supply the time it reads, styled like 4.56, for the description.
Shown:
5.51
